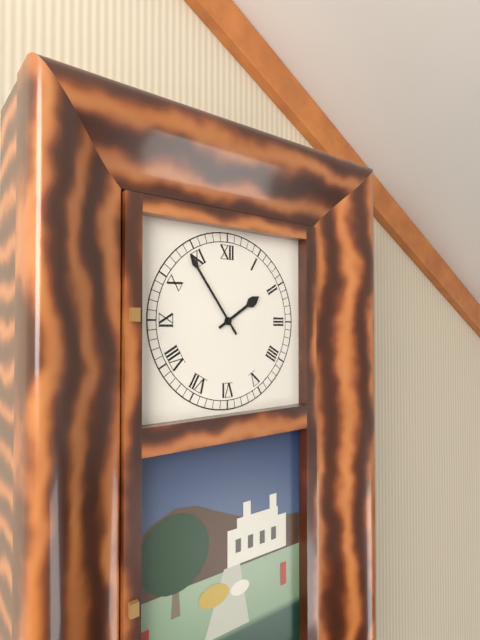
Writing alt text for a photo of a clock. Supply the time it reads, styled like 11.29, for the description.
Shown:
1.54
